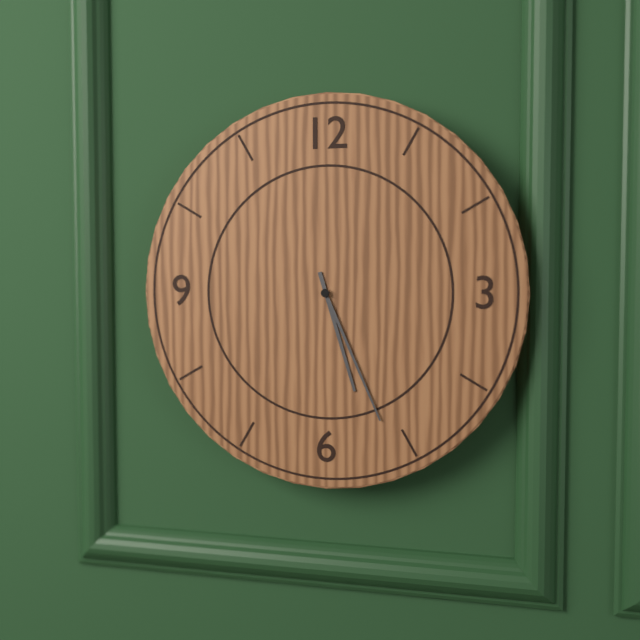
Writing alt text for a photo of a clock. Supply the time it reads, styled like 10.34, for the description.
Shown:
5.26
